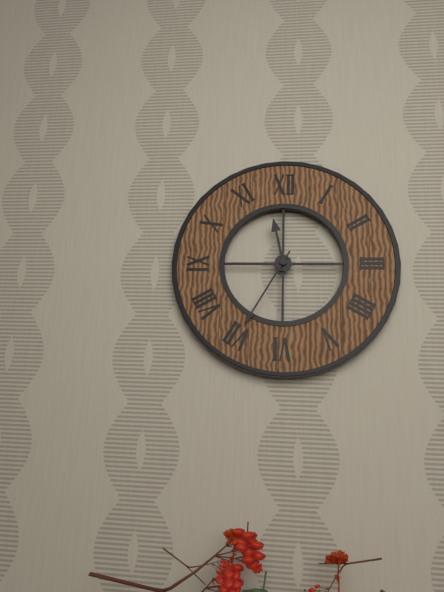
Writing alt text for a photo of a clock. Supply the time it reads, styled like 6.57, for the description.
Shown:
11.35
